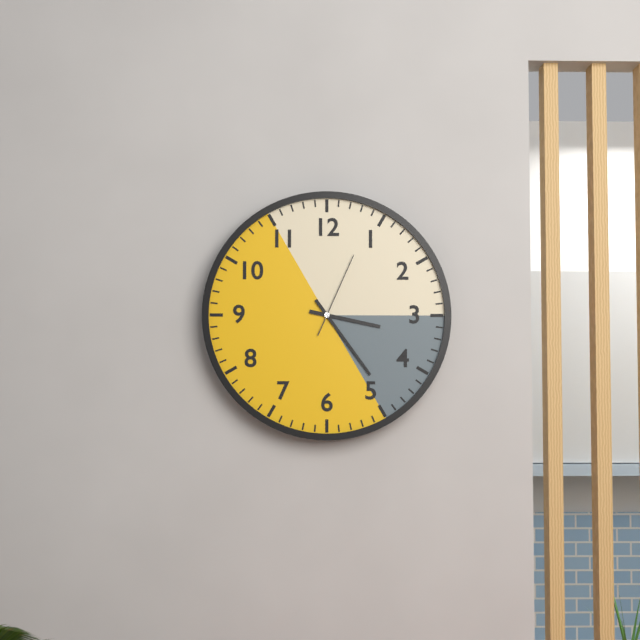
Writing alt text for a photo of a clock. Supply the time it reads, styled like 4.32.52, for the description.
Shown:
3.24.04
